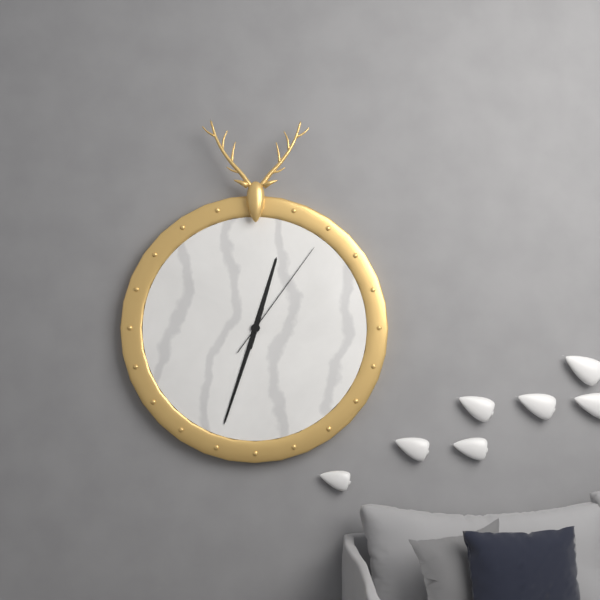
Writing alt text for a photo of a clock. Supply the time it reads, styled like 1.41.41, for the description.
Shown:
12.33.06
